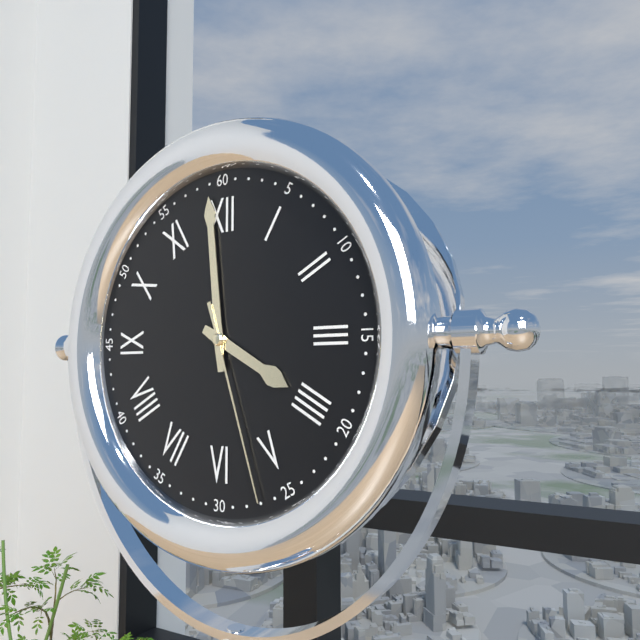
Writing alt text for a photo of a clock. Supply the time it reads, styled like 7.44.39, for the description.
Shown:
3.59.27
